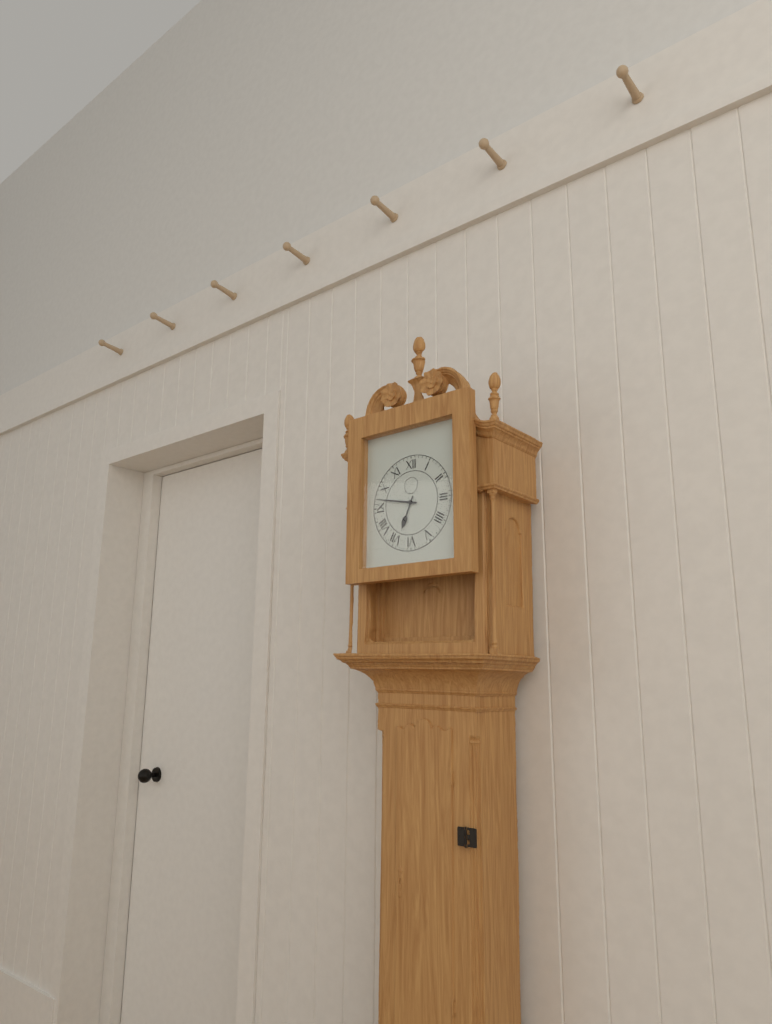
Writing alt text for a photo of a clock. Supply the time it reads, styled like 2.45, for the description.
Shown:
6.47
